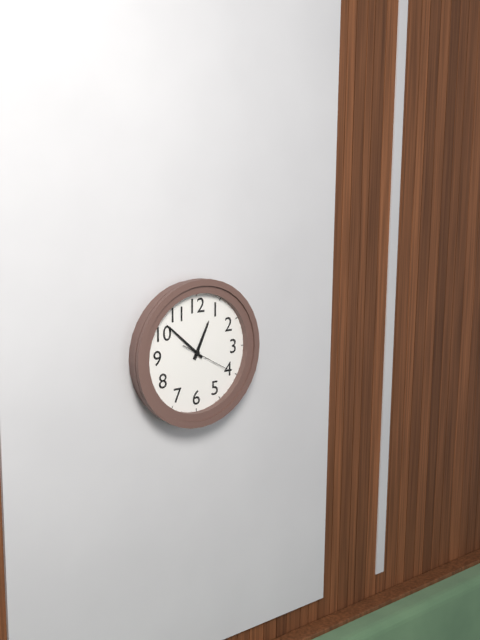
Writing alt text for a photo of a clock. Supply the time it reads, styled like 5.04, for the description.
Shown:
12.52
